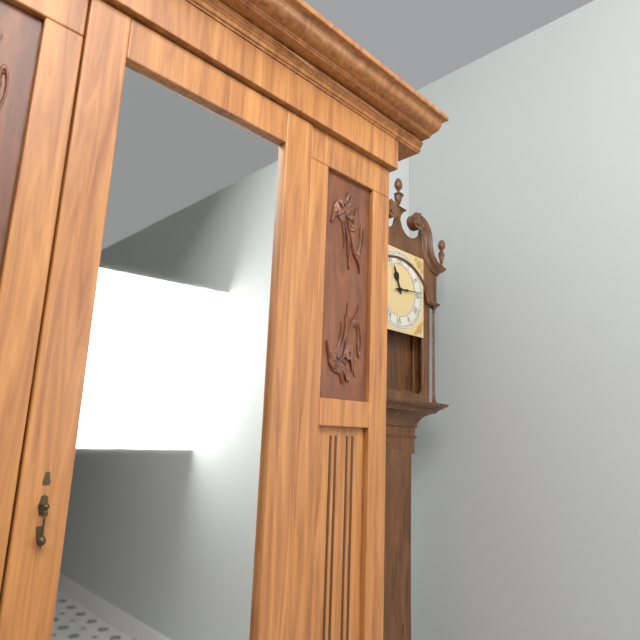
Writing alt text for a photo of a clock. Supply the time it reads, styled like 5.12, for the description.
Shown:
11.14
